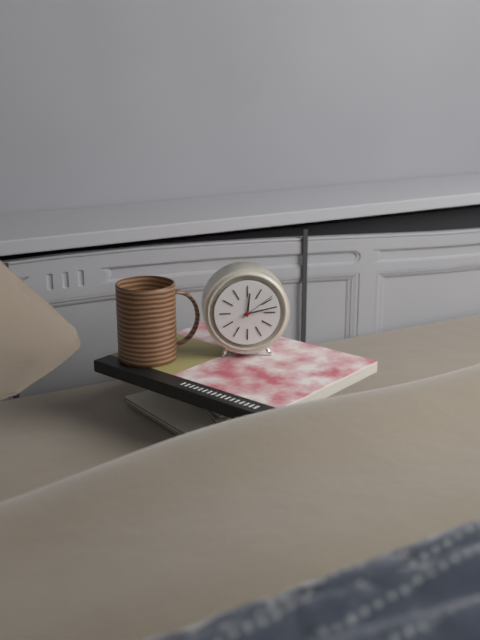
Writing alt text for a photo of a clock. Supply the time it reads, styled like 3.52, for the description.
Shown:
12.13
